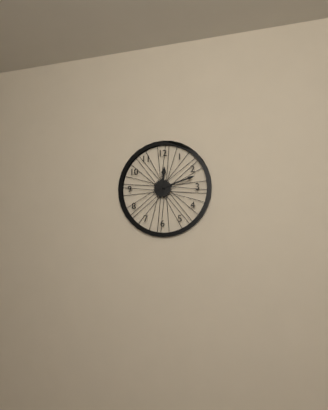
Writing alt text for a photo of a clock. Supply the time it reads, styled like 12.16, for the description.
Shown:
12.12
